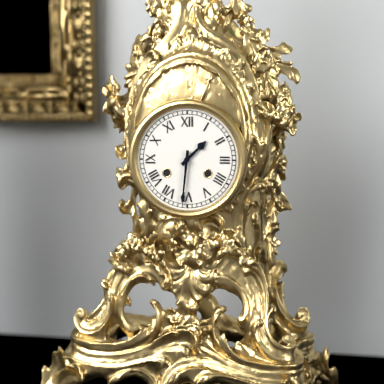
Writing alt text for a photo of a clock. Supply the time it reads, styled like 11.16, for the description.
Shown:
1.31
